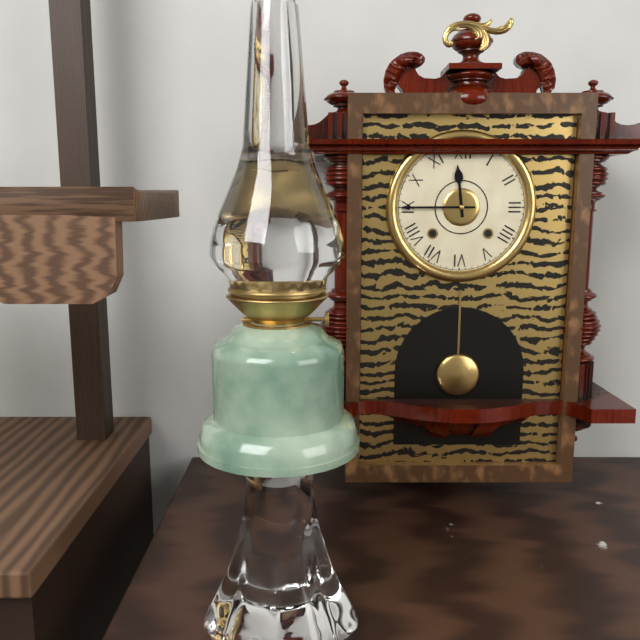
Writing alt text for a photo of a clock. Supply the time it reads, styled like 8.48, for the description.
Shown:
11.45
